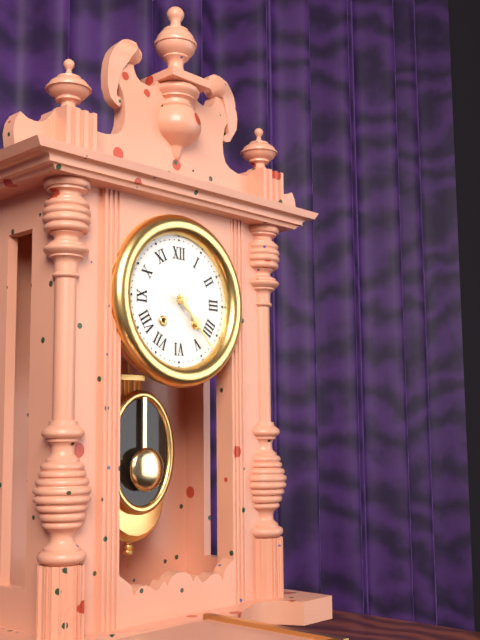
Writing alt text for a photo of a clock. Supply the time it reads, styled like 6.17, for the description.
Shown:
4.23
